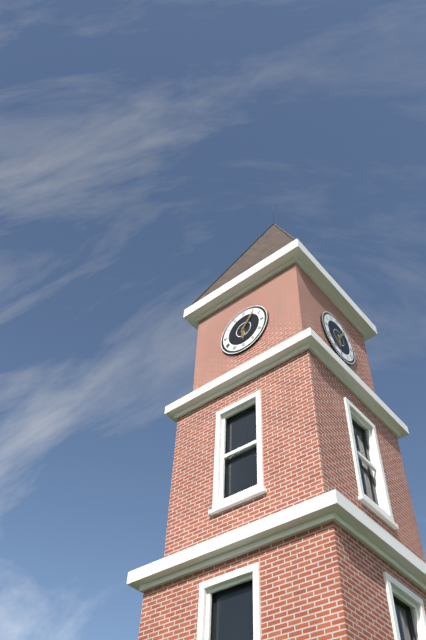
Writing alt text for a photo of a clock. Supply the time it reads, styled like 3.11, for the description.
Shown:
6.06
